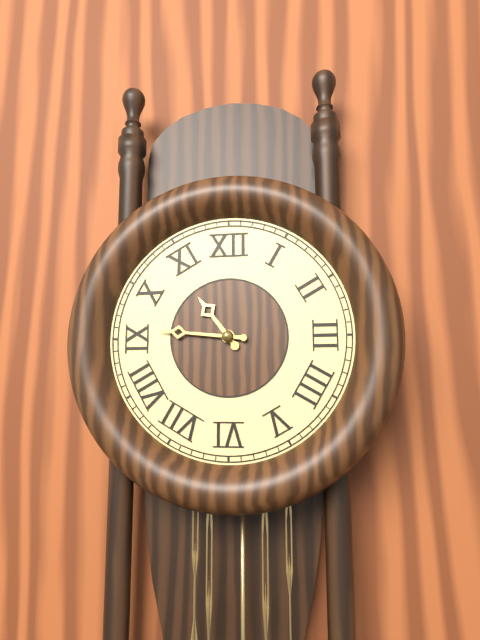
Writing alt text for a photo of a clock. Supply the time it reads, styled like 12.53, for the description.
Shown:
10.46
